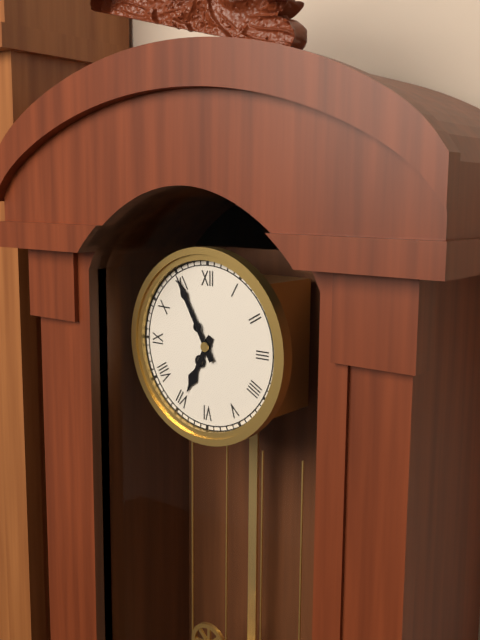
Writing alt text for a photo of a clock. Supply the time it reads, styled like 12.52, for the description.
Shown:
6.55
